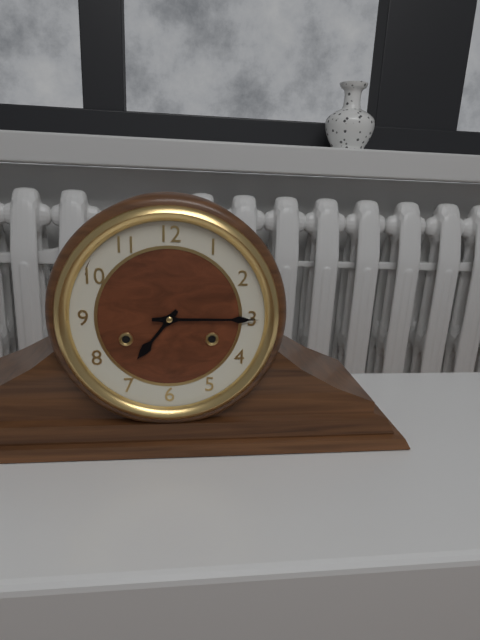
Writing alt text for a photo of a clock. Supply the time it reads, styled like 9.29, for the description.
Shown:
7.15
